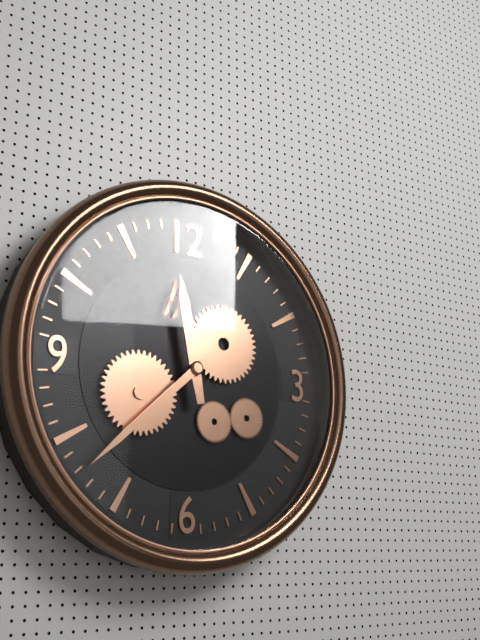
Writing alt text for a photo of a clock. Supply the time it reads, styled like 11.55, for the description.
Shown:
11.38
